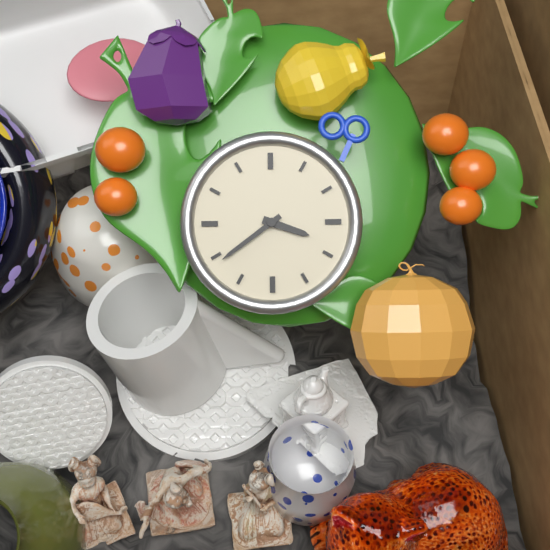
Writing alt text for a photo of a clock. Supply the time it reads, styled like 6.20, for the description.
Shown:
3.39
